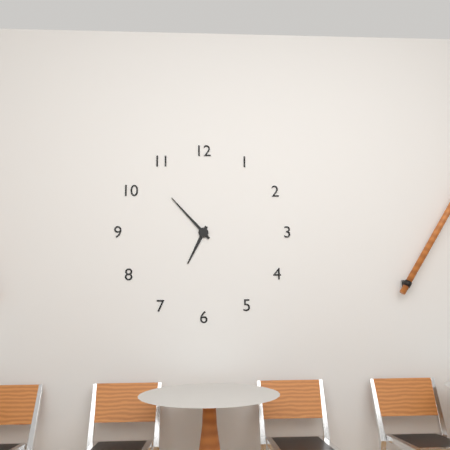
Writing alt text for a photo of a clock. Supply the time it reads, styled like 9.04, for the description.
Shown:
6.53
